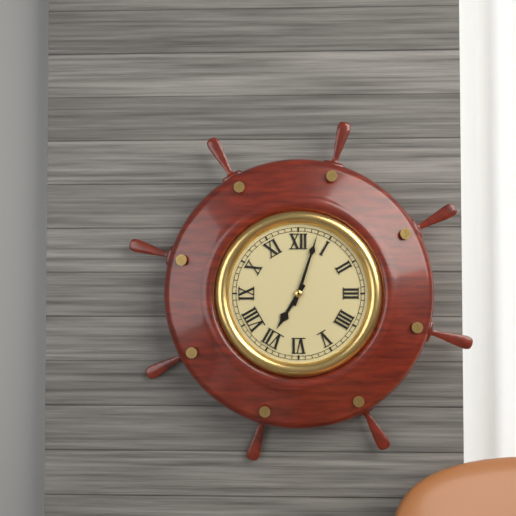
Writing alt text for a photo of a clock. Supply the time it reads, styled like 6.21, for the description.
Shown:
7.03
